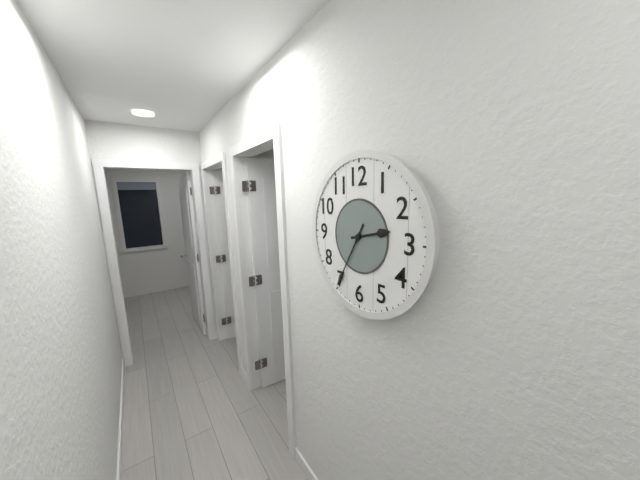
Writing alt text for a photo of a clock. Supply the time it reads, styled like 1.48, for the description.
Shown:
2.35
